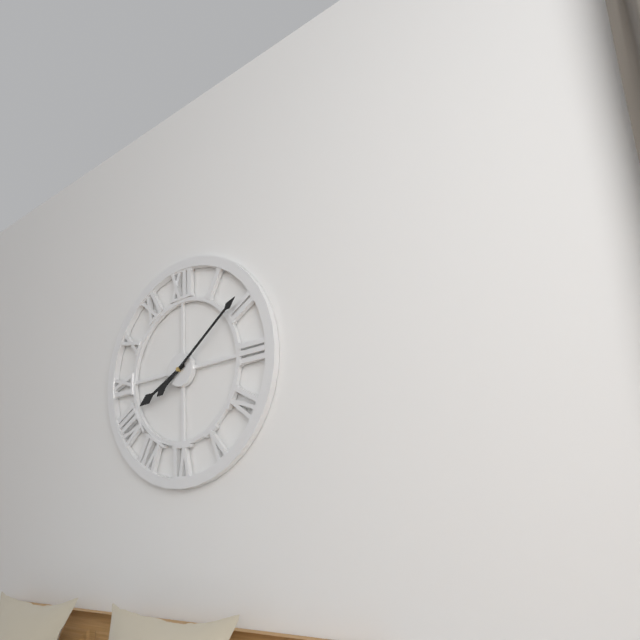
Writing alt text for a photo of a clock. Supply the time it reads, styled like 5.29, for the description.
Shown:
8.09
